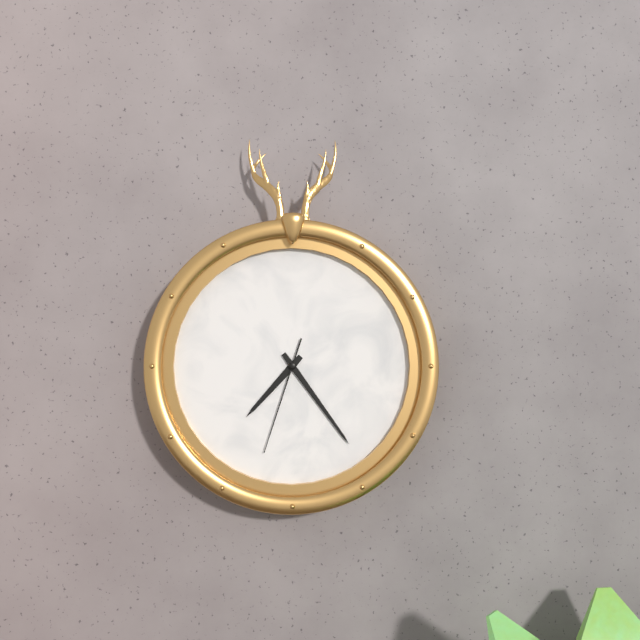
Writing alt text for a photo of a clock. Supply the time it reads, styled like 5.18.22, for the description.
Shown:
7.24.33
